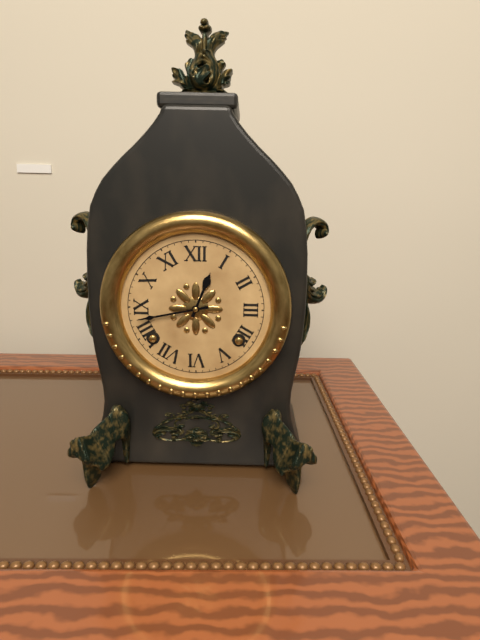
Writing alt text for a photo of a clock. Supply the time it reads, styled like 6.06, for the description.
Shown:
12.43
